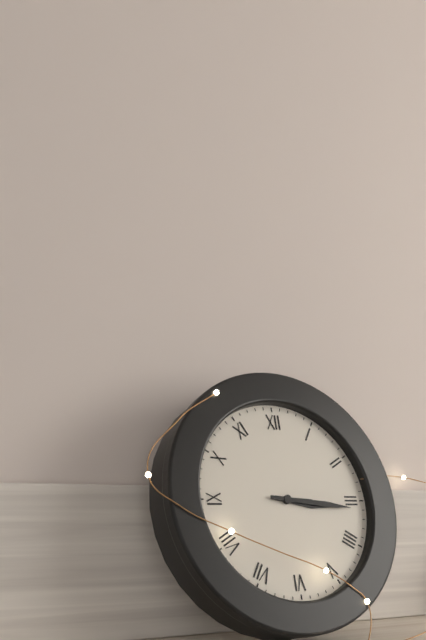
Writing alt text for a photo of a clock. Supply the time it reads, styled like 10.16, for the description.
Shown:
3.16
